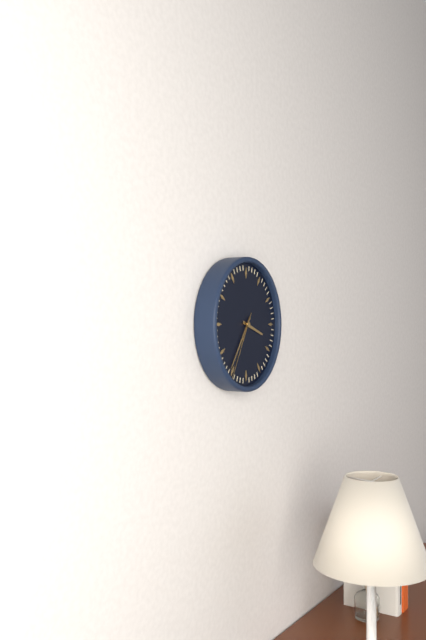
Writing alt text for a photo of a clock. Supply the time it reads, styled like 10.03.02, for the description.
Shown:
3.36.35
